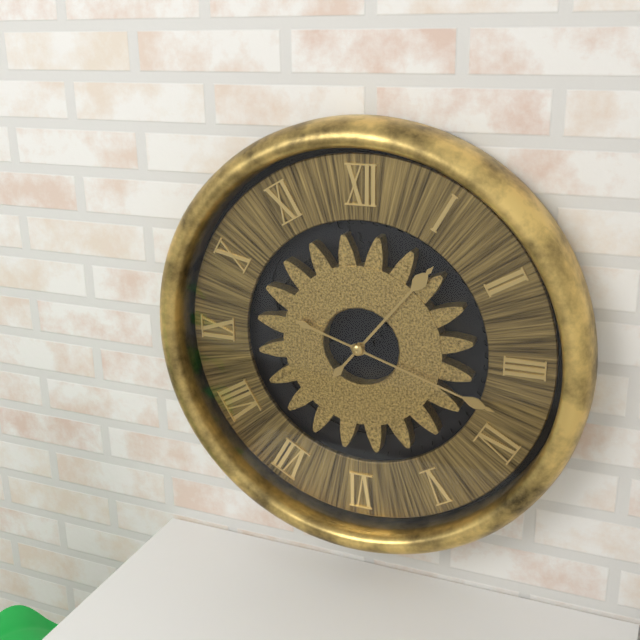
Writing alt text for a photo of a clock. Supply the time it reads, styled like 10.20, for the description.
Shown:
1.18
